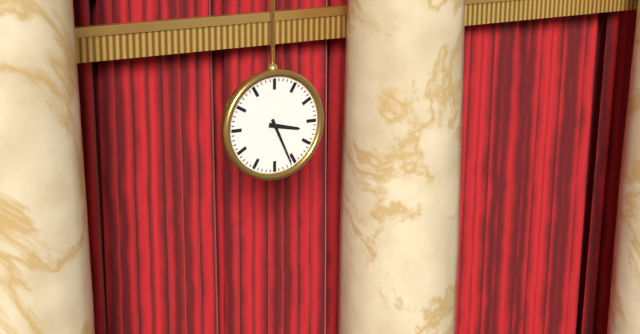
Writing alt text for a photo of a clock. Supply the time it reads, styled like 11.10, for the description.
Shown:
3.26
